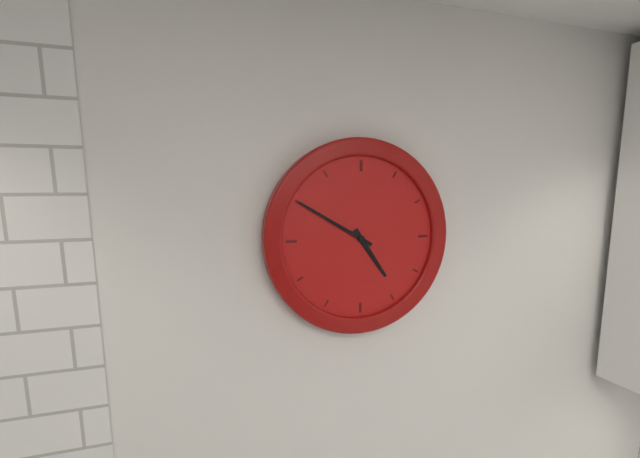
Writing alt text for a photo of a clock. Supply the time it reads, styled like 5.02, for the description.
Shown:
4.50
